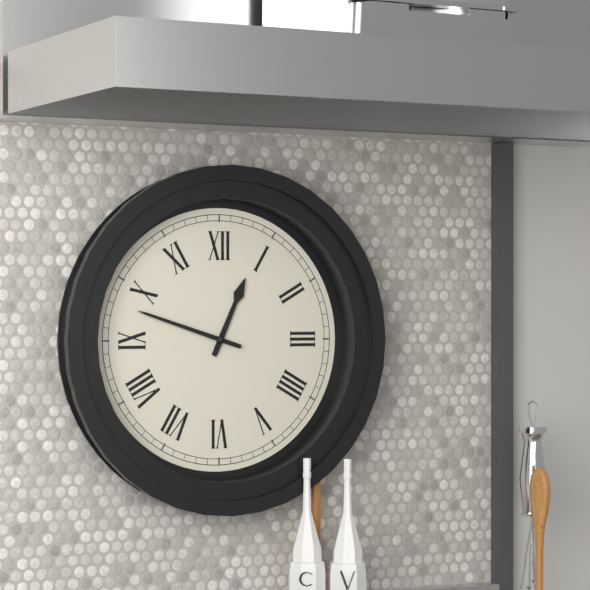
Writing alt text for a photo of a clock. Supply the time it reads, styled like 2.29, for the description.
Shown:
12.48
